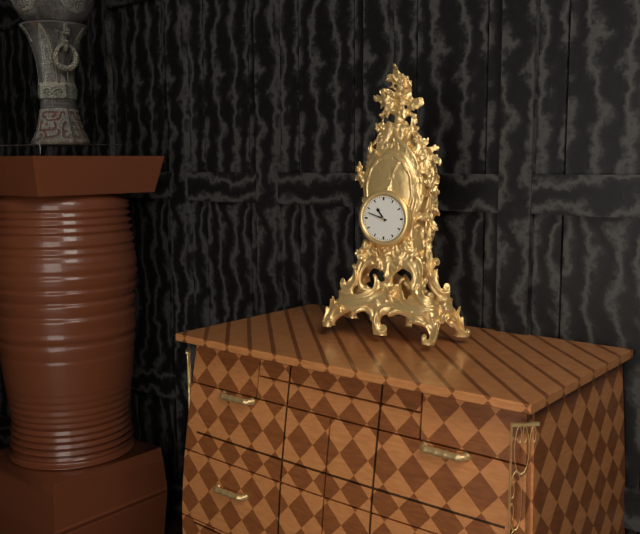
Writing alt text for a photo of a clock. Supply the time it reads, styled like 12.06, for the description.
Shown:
10.48
